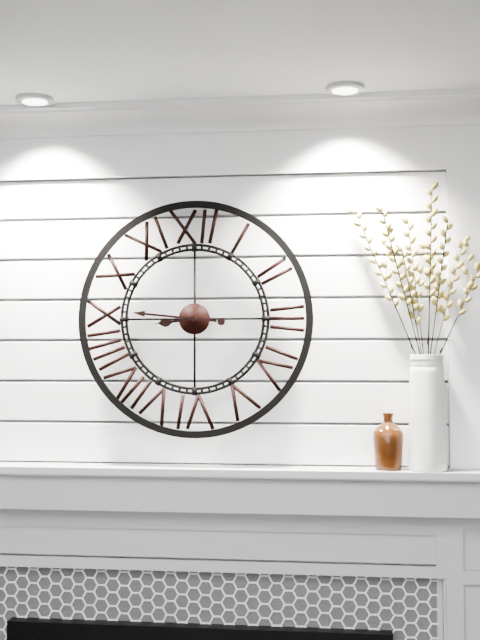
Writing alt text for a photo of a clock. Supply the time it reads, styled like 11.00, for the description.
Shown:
8.46
